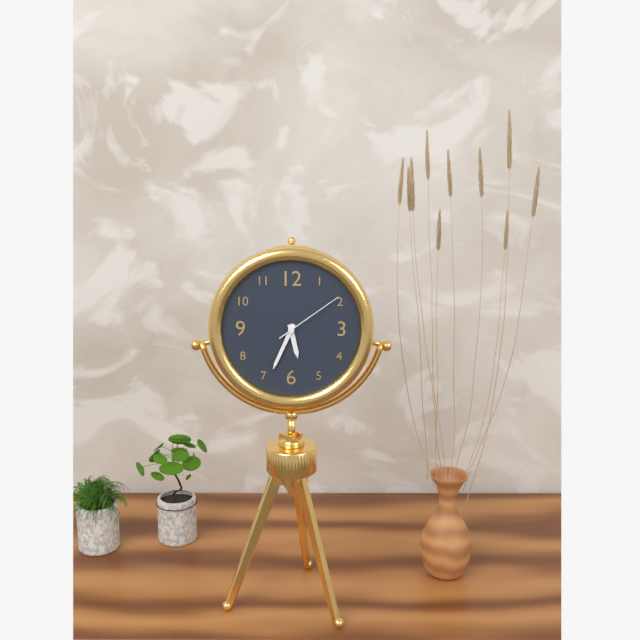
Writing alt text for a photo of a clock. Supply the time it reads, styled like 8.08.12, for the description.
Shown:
5.34.09
